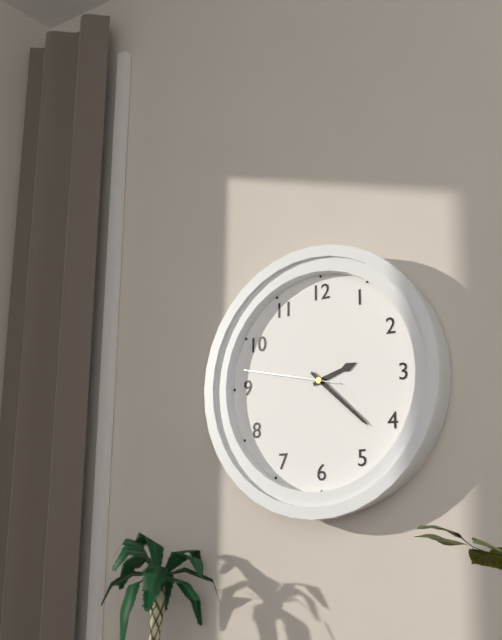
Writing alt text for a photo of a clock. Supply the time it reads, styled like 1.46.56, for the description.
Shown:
2.22.47
